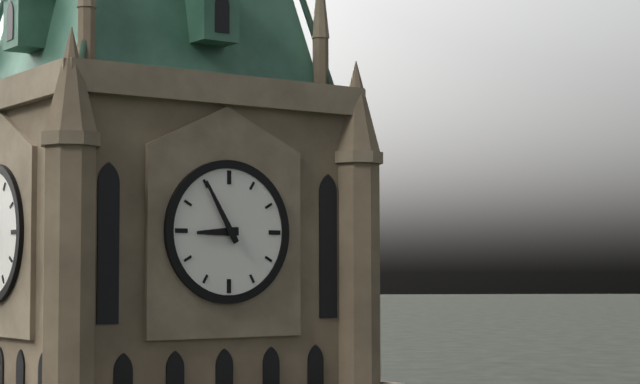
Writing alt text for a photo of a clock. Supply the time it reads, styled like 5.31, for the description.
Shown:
8.55
